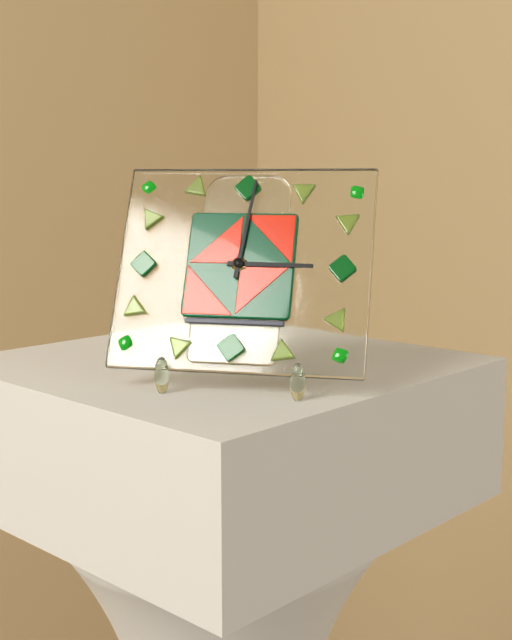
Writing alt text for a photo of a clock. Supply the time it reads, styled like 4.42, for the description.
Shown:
3.01
